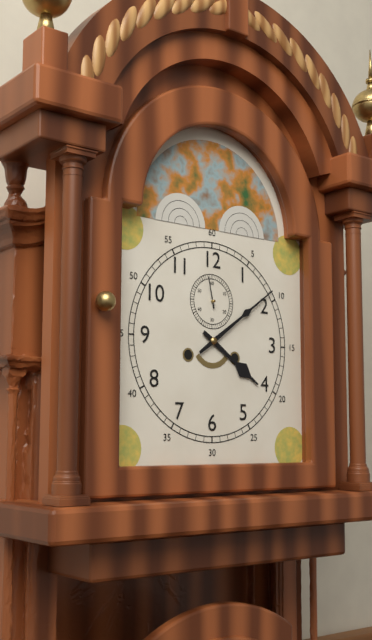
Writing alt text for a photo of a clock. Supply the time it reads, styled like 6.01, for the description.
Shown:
4.09
